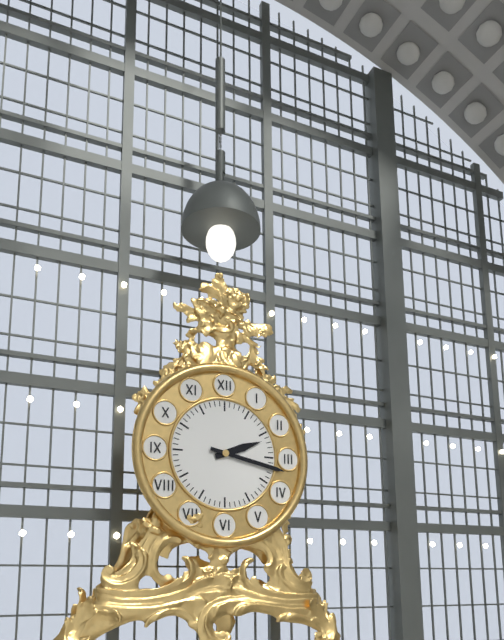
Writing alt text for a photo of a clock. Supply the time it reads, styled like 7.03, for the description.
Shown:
2.17
